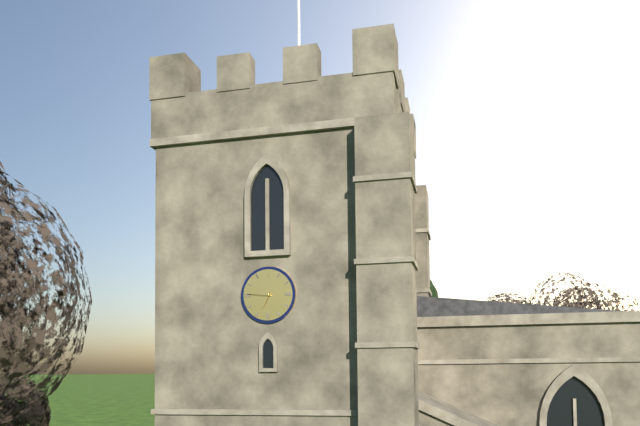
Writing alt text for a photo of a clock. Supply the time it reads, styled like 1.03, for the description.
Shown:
6.46
